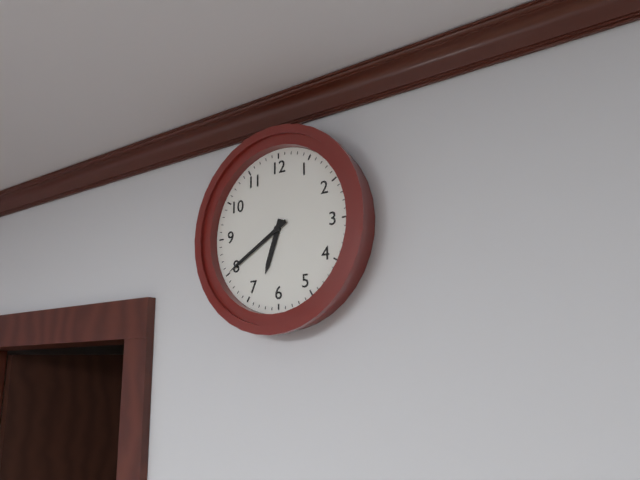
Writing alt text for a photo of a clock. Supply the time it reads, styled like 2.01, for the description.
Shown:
6.40
